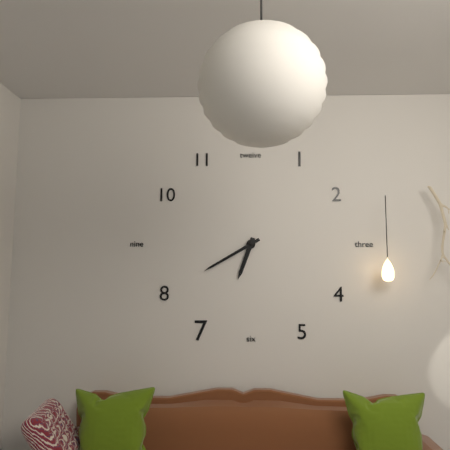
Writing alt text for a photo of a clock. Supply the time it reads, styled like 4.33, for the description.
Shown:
6.40
